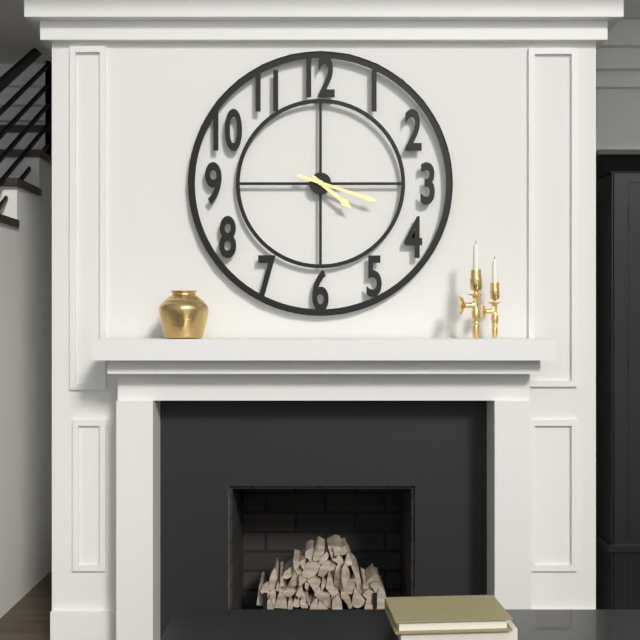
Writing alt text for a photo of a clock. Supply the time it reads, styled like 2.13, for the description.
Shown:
4.18
